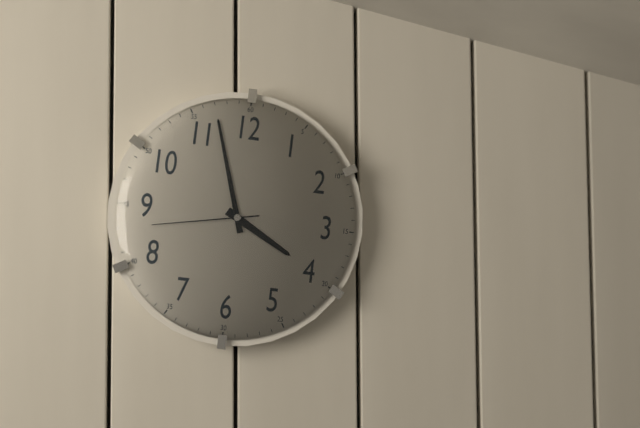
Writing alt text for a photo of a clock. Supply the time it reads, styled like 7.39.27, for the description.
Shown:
3.57.43
